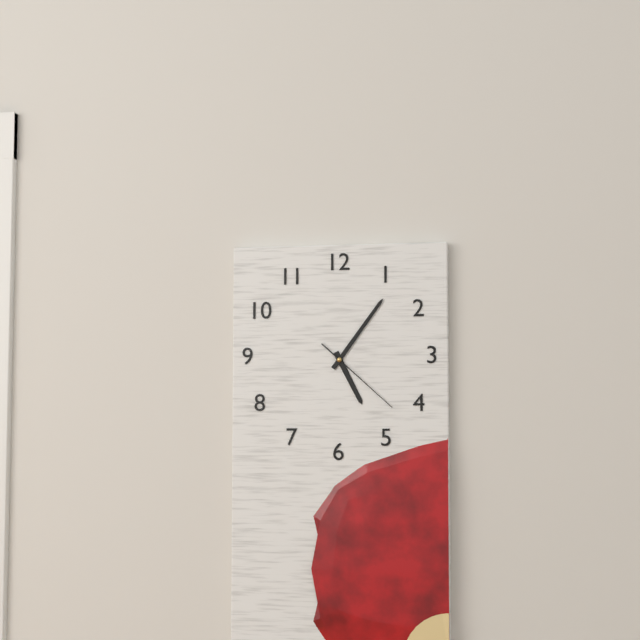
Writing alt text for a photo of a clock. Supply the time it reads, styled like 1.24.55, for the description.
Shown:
5.06.22
